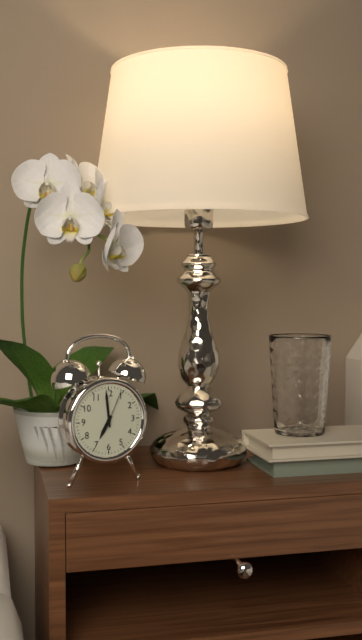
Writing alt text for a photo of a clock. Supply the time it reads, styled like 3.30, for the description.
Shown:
6.59
